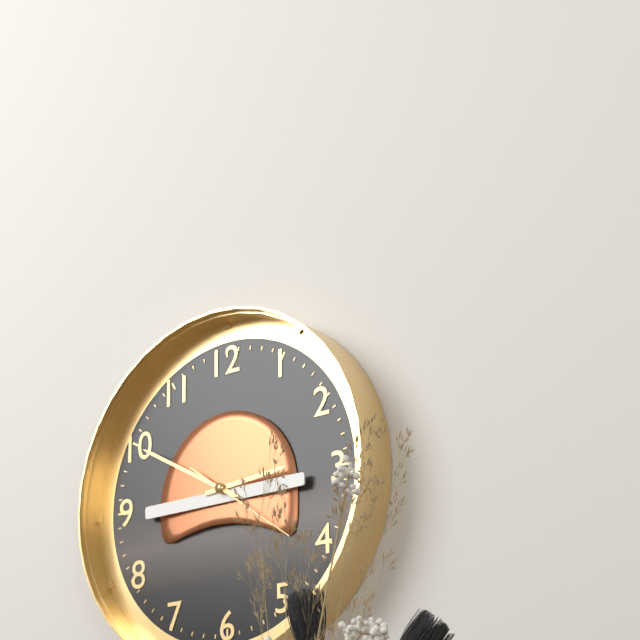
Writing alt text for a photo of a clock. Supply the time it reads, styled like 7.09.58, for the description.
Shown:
2.50.21
